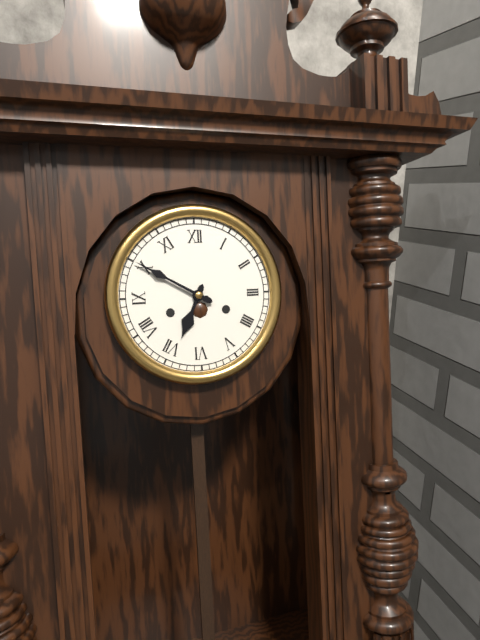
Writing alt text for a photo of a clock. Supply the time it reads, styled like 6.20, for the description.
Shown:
6.50
